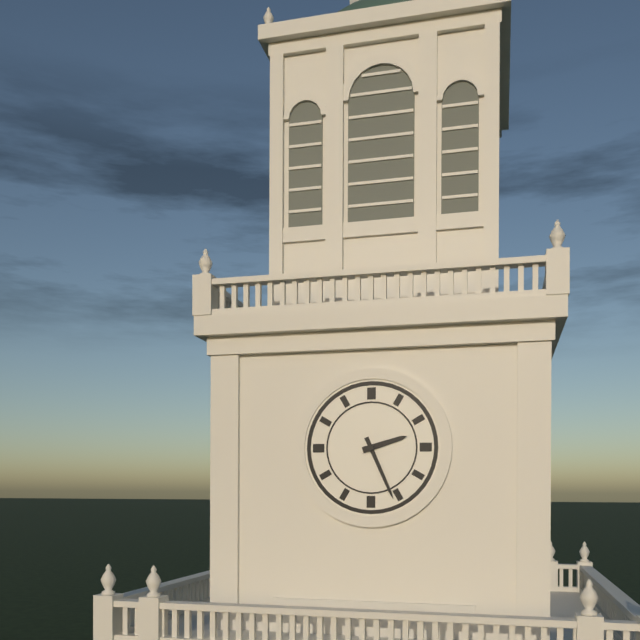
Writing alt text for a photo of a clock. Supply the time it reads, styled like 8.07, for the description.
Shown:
2.26
